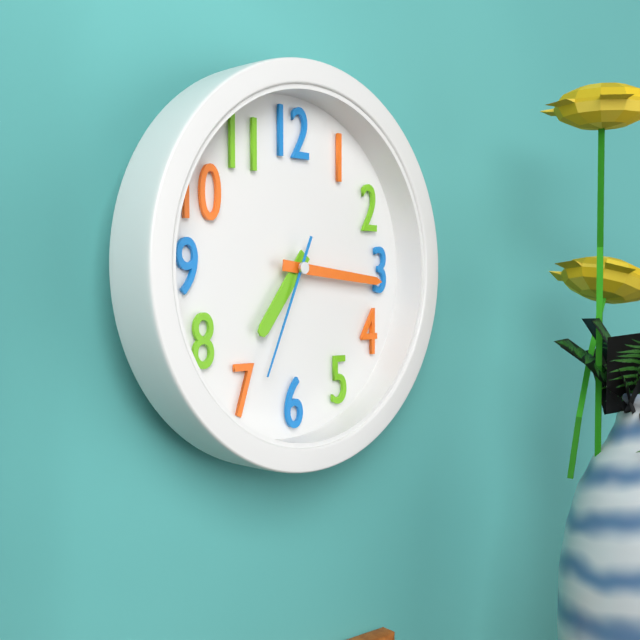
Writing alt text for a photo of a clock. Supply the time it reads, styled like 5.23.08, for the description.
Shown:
7.16.34
